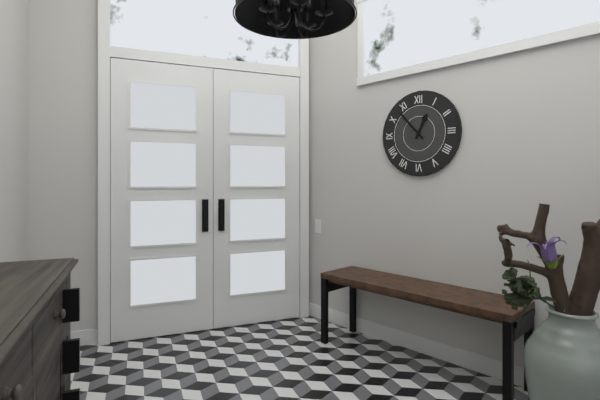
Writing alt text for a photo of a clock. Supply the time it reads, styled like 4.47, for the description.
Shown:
12.53
